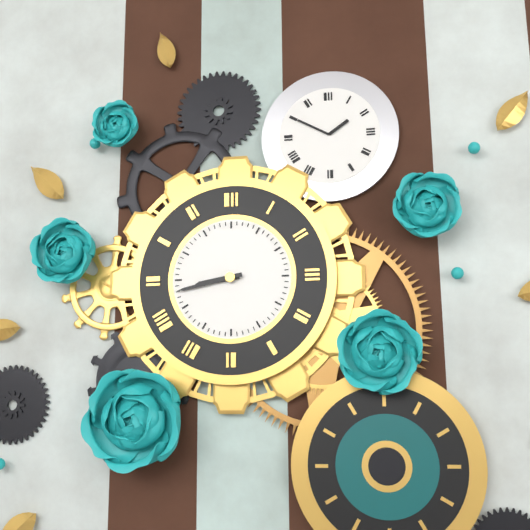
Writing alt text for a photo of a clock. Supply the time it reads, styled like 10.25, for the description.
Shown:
8.43
